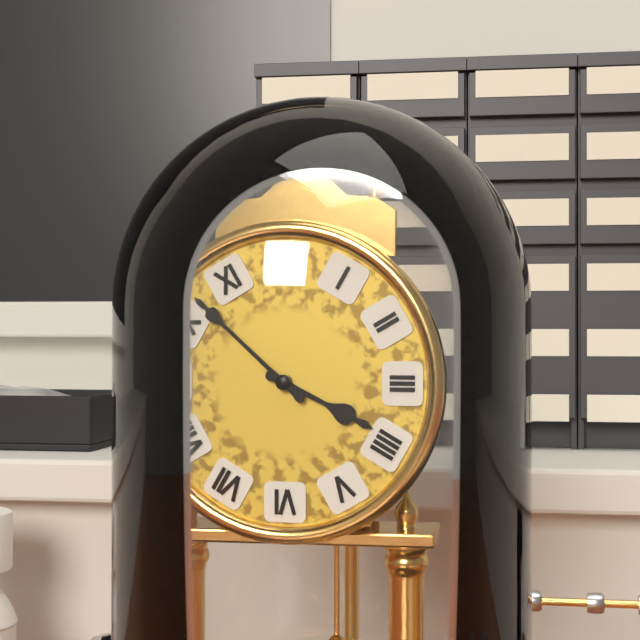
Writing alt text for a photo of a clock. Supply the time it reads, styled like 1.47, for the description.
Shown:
3.52
